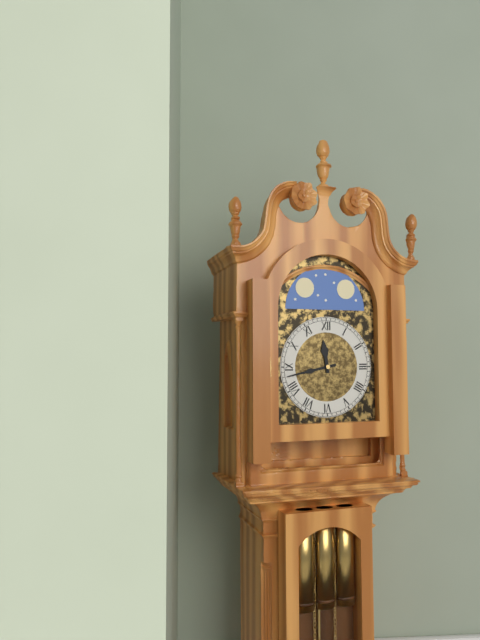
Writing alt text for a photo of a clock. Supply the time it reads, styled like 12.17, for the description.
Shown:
11.43
